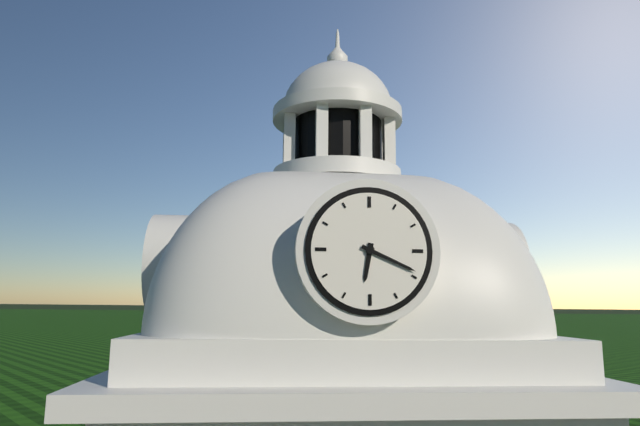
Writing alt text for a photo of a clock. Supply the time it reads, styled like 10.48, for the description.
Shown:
6.19
